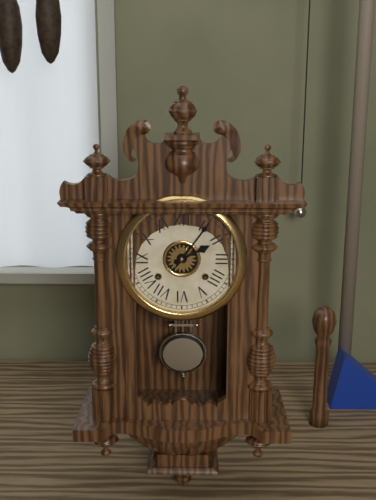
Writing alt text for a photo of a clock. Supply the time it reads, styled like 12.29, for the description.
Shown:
2.06
